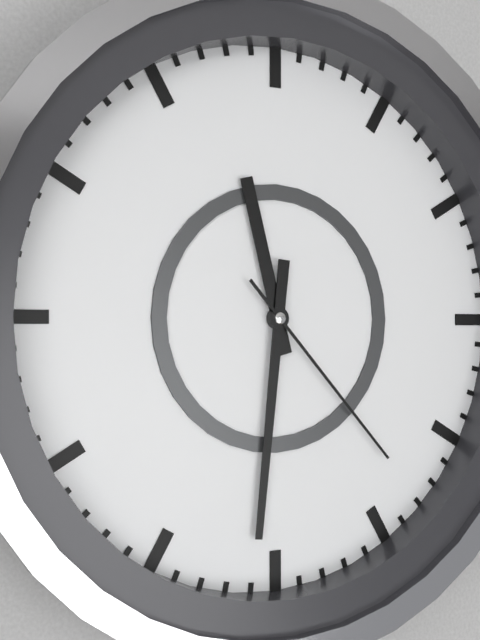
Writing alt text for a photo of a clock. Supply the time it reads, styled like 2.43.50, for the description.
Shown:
11.31.23
